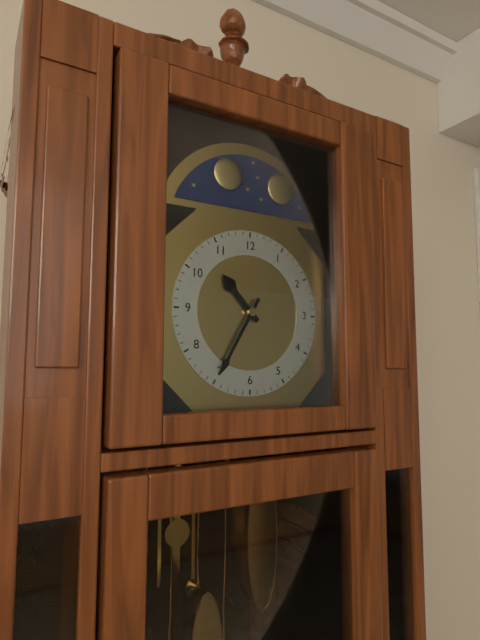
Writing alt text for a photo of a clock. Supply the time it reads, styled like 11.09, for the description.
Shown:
10.35
